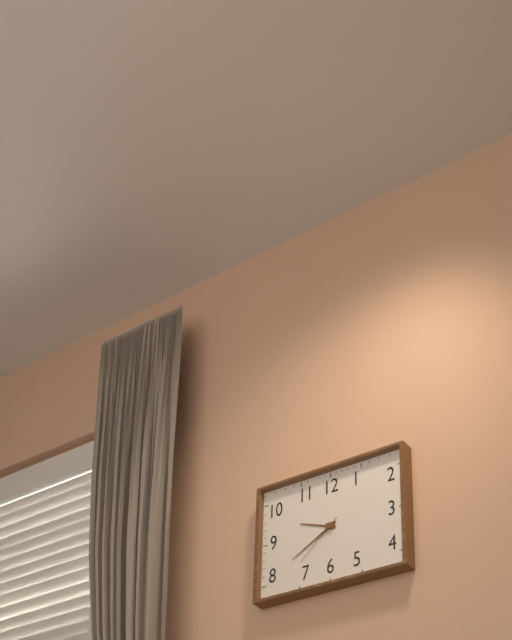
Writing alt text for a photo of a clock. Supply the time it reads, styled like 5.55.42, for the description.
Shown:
9.40.38
